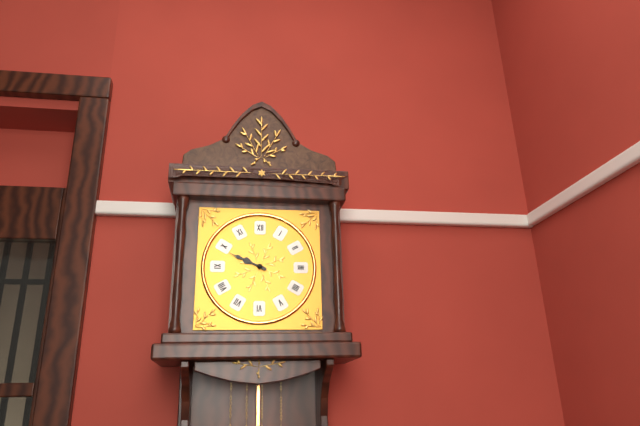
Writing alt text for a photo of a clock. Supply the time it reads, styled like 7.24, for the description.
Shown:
9.49
